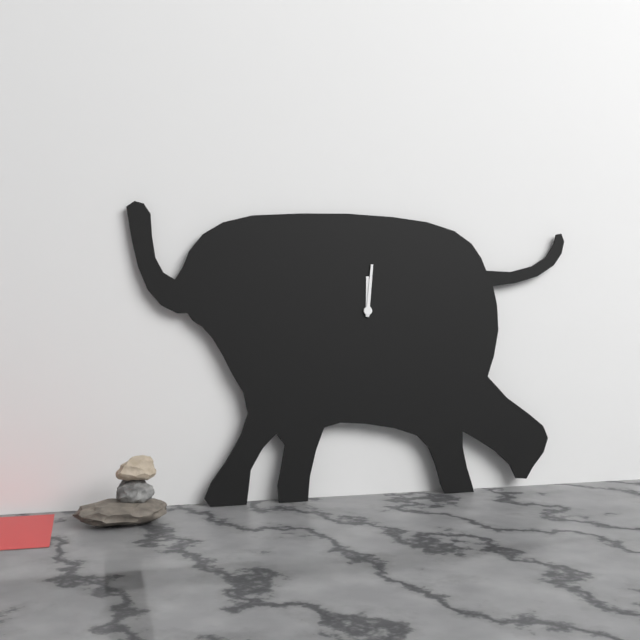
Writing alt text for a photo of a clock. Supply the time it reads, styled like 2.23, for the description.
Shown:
12.01
